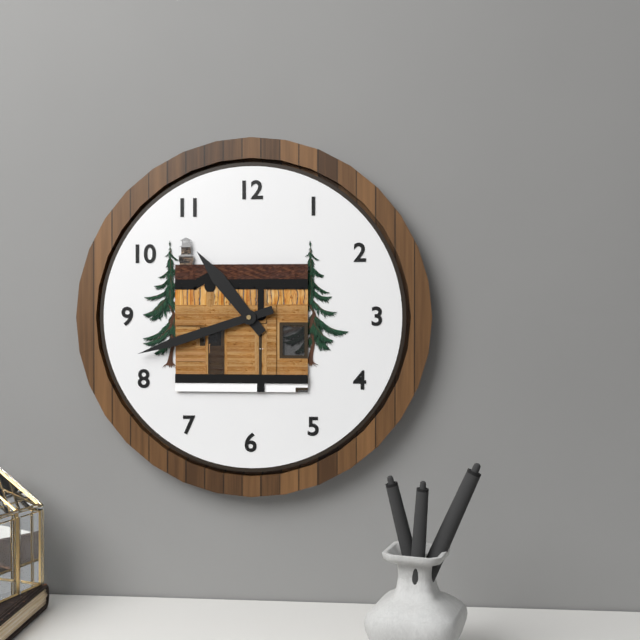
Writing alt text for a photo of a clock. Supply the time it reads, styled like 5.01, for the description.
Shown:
10.42
